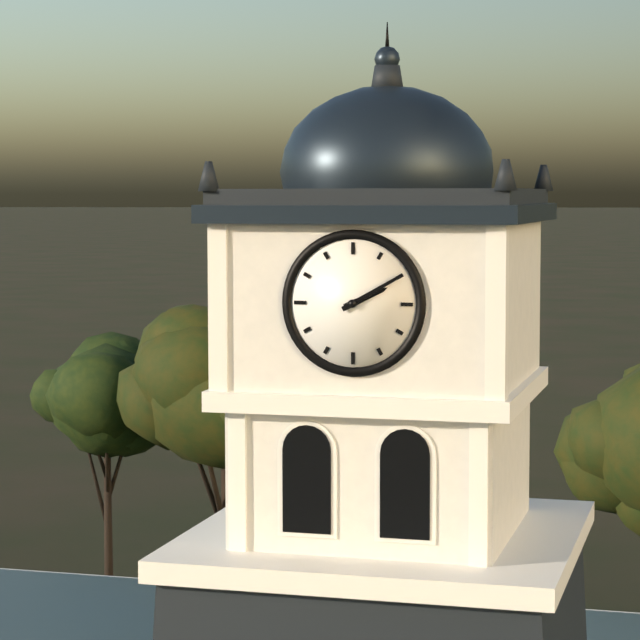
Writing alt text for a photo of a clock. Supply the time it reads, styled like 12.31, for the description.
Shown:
2.10
